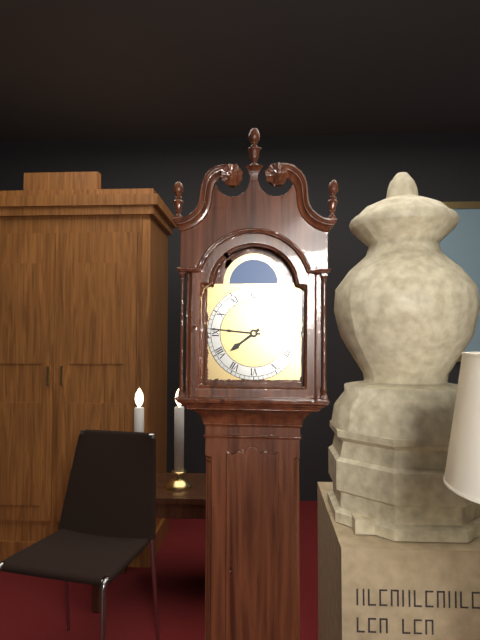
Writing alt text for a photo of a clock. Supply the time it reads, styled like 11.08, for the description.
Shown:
7.46
